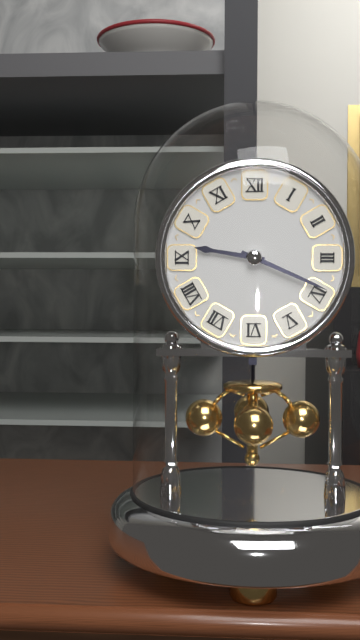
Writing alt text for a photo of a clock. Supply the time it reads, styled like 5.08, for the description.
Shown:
9.19
